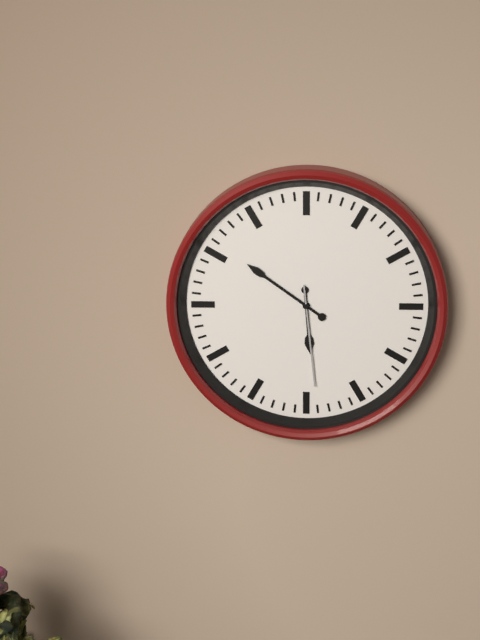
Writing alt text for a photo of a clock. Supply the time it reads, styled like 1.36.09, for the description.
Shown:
5.51.29
